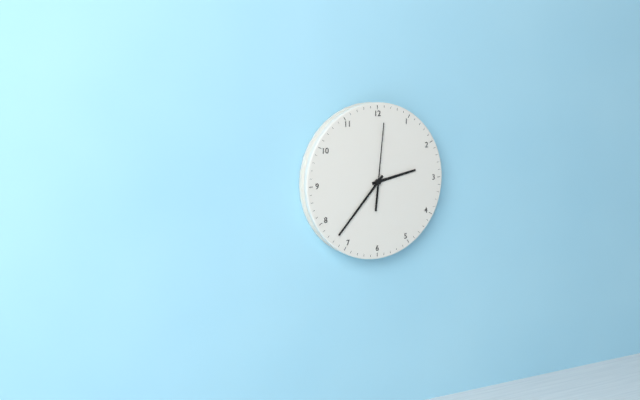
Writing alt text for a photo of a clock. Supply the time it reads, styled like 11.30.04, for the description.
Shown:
2.37.01
